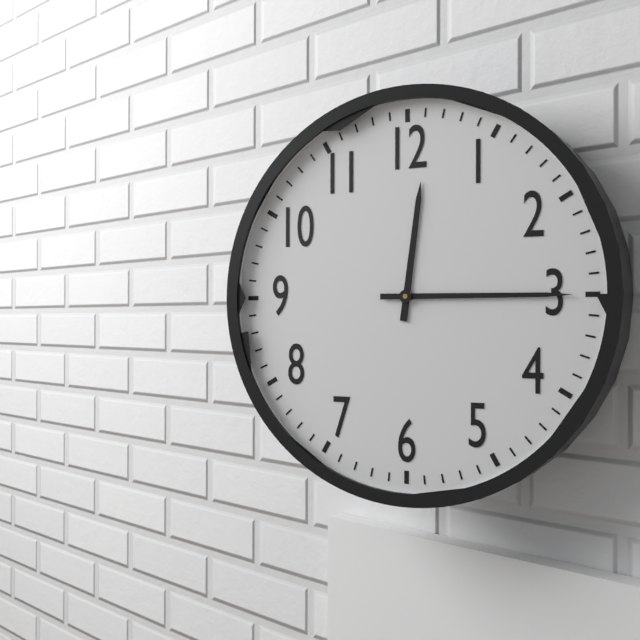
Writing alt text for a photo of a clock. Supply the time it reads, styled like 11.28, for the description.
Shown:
12.15
